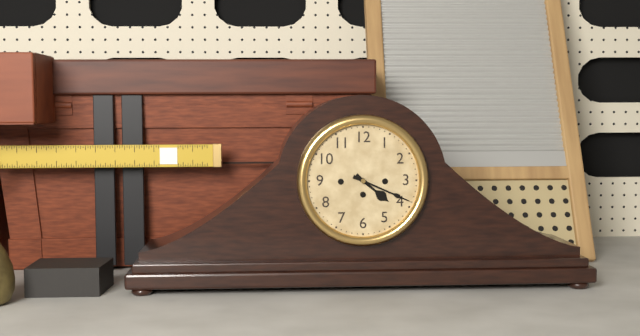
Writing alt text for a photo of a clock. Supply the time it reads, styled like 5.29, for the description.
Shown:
4.19
